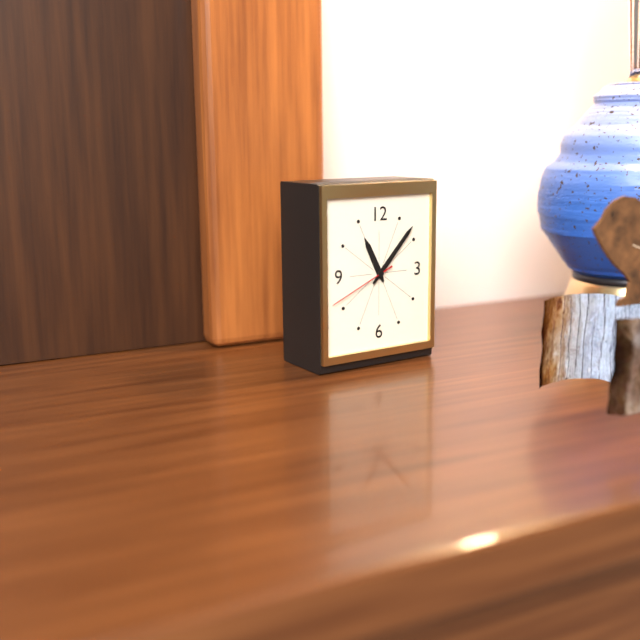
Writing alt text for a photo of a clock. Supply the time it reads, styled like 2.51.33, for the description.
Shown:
11.07.41
